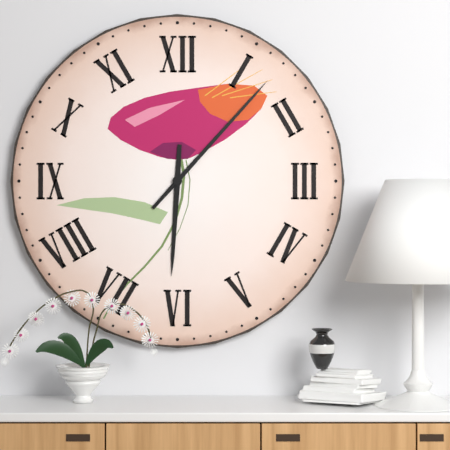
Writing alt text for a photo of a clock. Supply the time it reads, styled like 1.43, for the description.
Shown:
6.07
